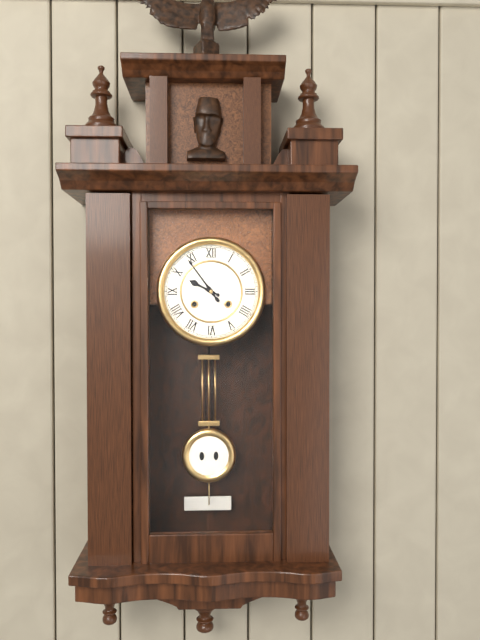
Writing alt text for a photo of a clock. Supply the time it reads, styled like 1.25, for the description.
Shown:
9.54
